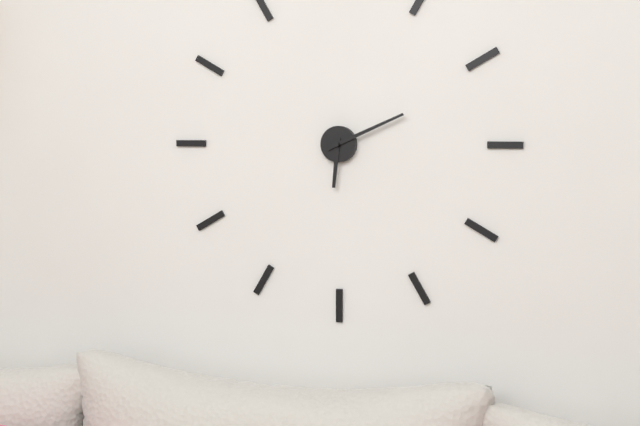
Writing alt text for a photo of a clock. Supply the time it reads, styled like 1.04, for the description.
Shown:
6.11
